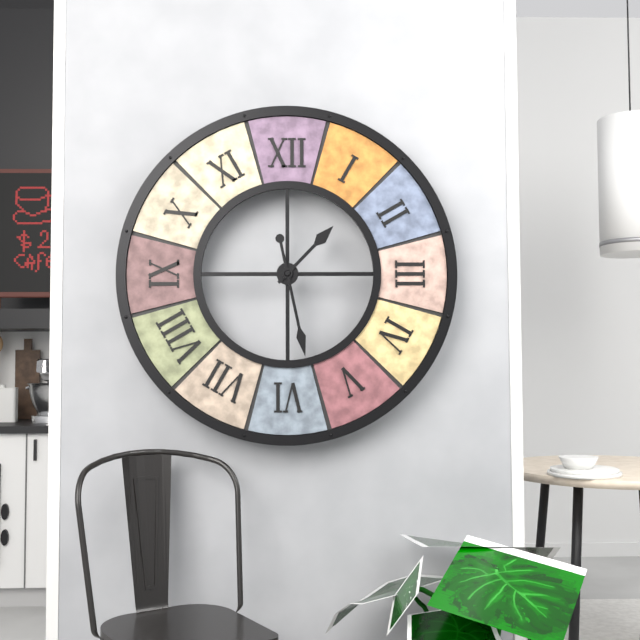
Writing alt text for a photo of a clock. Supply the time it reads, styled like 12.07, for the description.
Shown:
1.28
